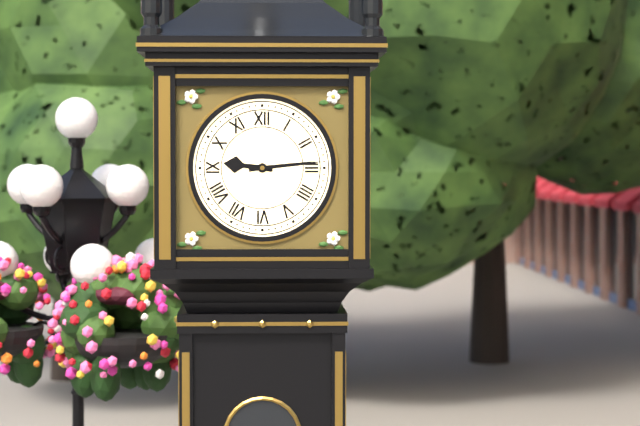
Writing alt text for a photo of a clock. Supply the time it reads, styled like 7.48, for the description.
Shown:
9.14
